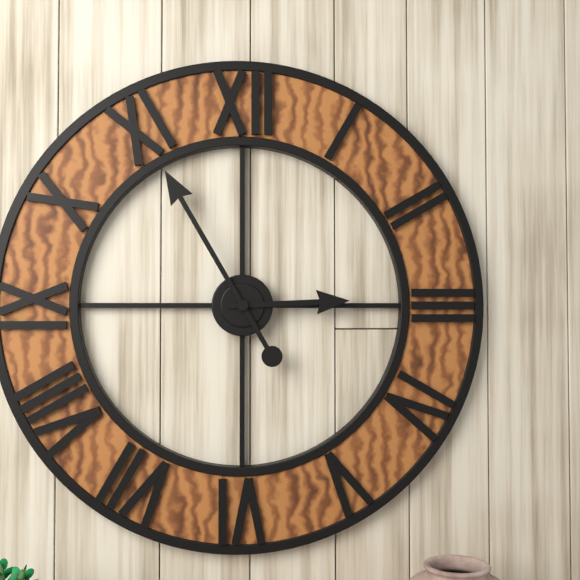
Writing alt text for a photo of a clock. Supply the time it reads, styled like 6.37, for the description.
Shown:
2.55
